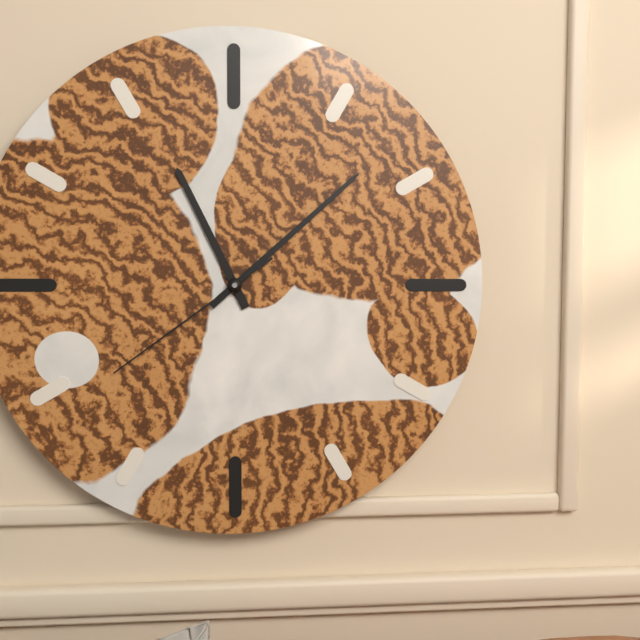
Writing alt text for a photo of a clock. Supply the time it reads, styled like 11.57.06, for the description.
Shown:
11.08.39
